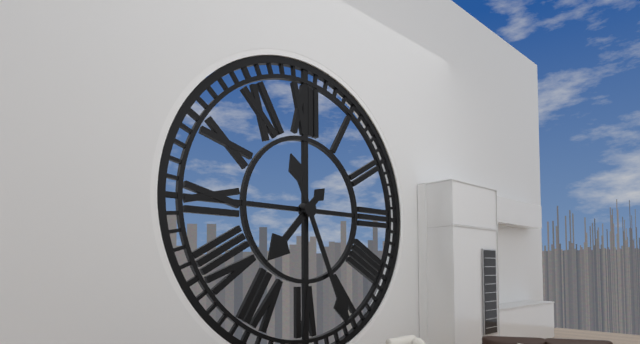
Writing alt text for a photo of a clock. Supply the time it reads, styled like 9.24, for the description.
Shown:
7.26
